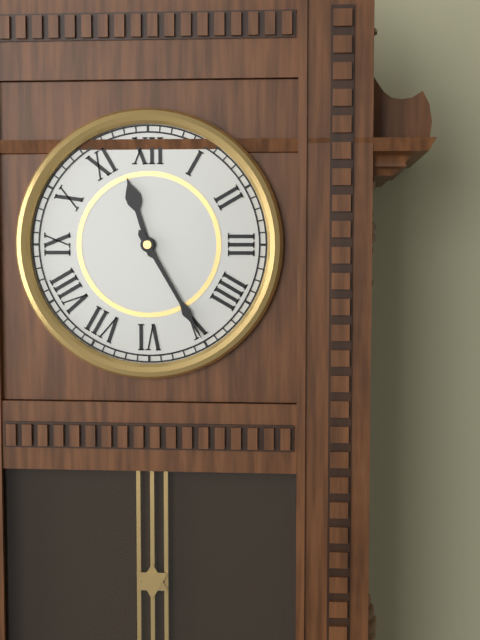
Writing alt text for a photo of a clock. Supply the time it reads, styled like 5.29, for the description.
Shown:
11.25
